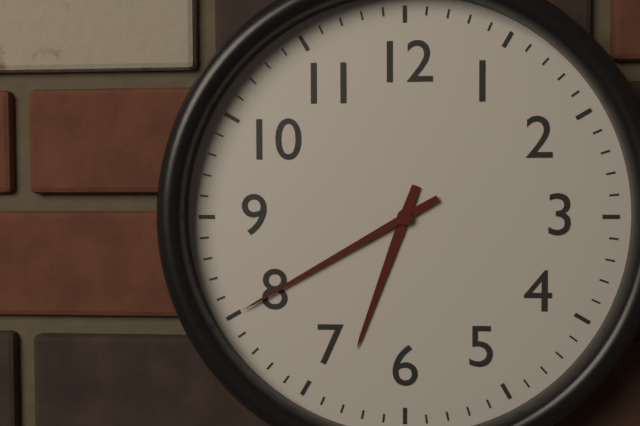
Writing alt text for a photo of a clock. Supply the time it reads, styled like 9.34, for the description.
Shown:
6.40
